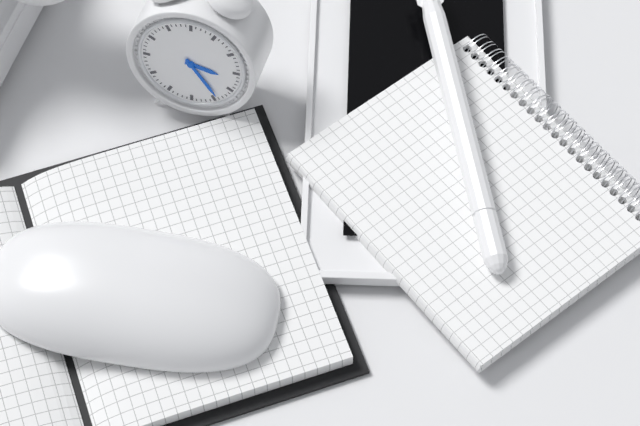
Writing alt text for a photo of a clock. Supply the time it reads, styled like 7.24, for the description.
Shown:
3.24
